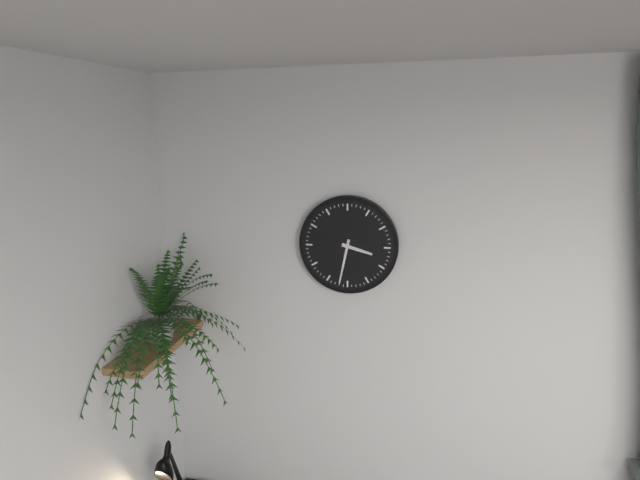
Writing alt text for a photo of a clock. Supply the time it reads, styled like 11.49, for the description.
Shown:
3.32
